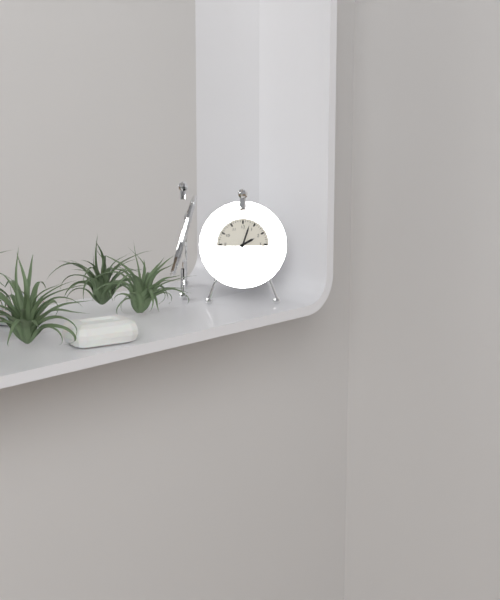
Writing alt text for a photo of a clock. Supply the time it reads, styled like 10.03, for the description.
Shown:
2.03
